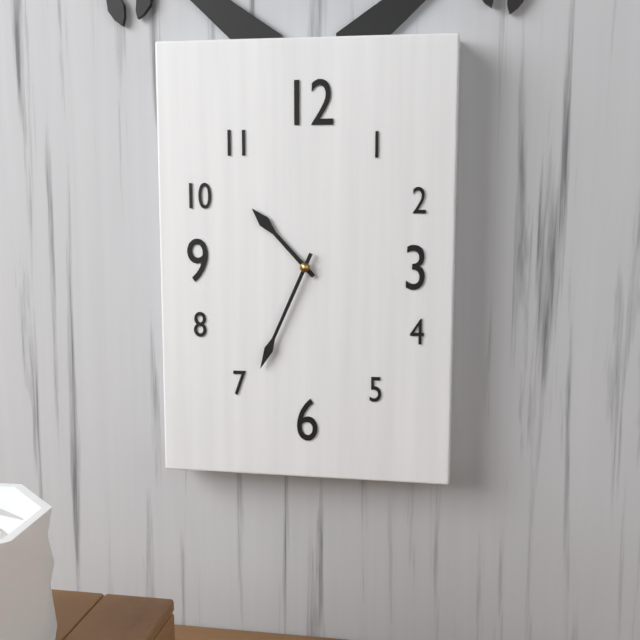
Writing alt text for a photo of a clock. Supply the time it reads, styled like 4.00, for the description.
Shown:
10.34
